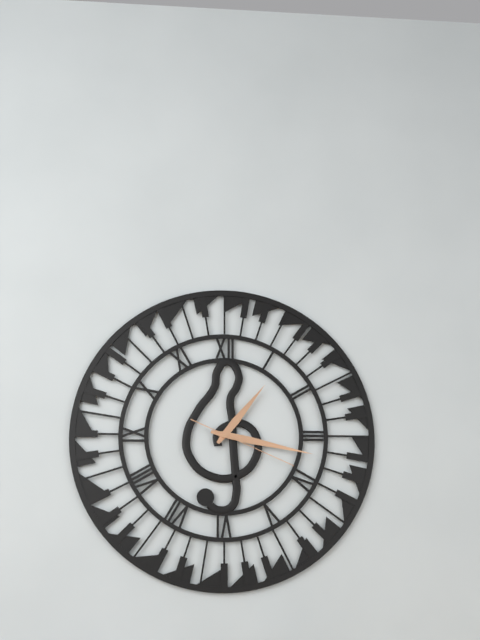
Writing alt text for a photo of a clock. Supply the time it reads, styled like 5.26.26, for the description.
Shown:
1.17.19
